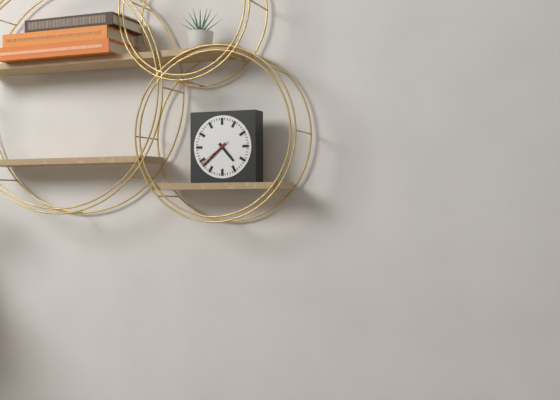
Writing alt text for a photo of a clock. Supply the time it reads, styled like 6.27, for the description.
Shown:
4.38
